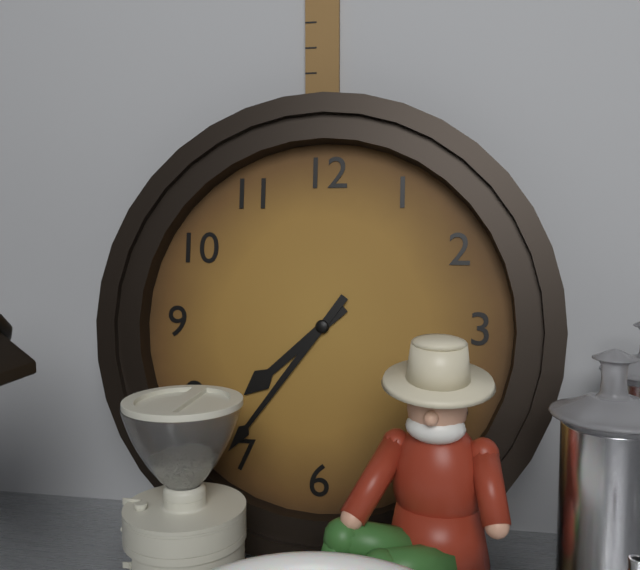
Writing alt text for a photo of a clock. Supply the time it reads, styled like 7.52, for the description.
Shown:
7.36
